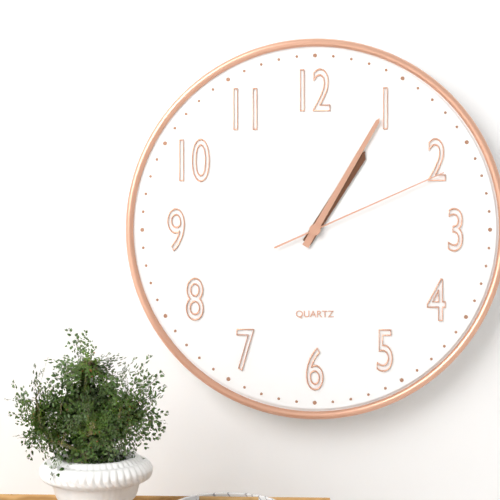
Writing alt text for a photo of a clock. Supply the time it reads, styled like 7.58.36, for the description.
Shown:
1.05.11
